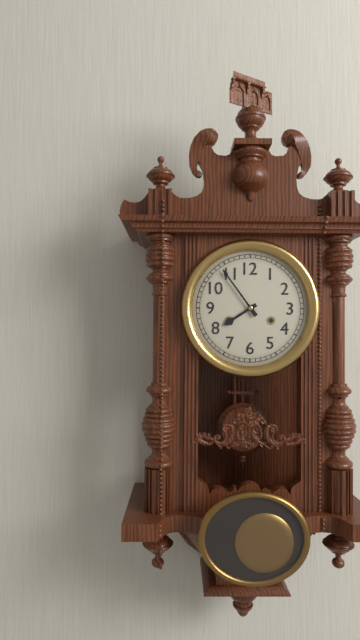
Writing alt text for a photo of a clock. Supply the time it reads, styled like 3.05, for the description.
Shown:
7.54
